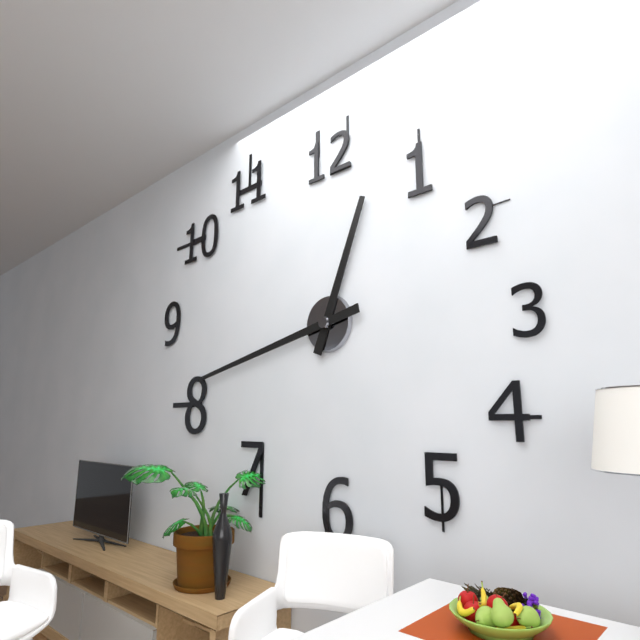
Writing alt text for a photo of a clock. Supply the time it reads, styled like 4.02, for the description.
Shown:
12.43
